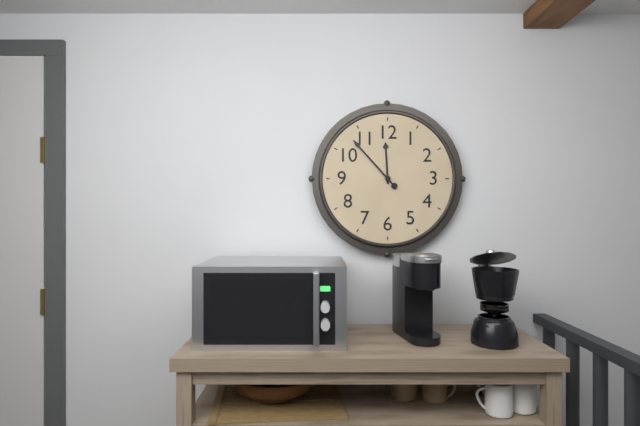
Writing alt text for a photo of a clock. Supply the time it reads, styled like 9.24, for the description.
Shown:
11.53
